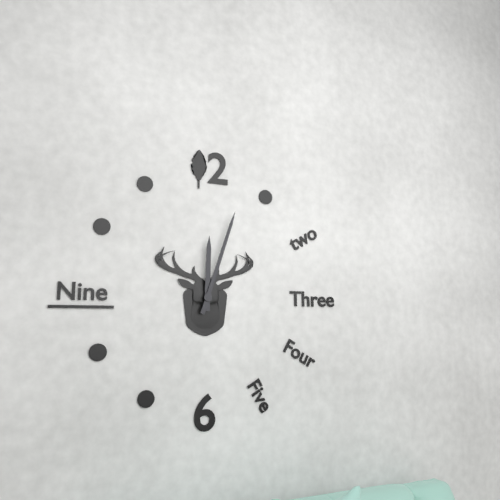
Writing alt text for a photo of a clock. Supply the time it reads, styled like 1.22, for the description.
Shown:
12.03
